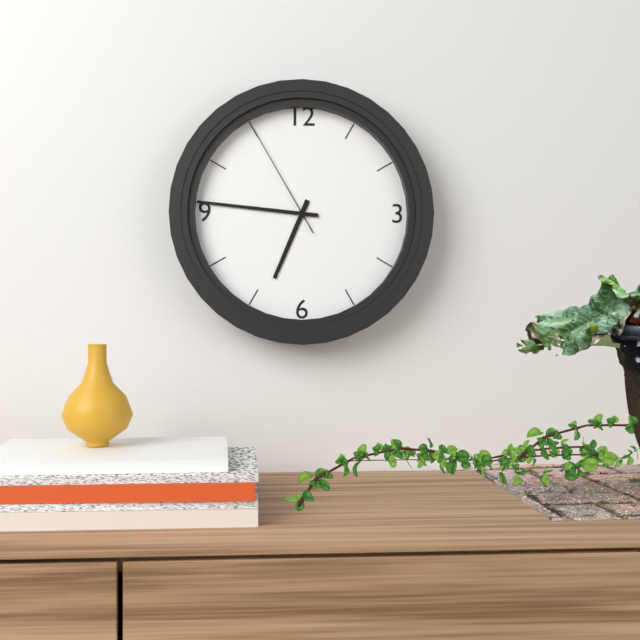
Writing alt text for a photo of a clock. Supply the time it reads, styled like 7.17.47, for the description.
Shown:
6.46.55
